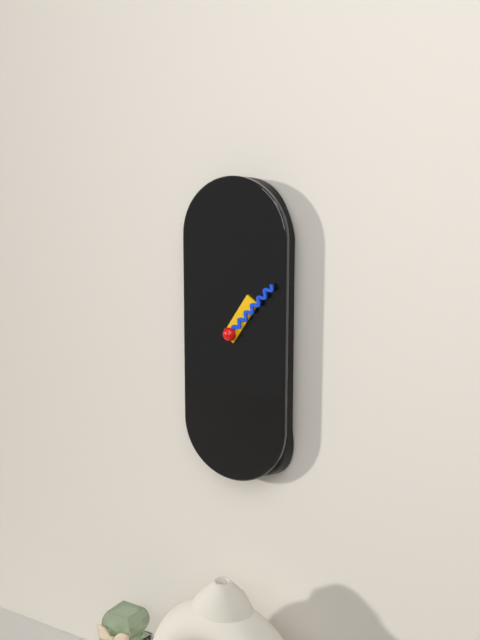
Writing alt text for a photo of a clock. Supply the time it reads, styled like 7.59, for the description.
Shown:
1.07
